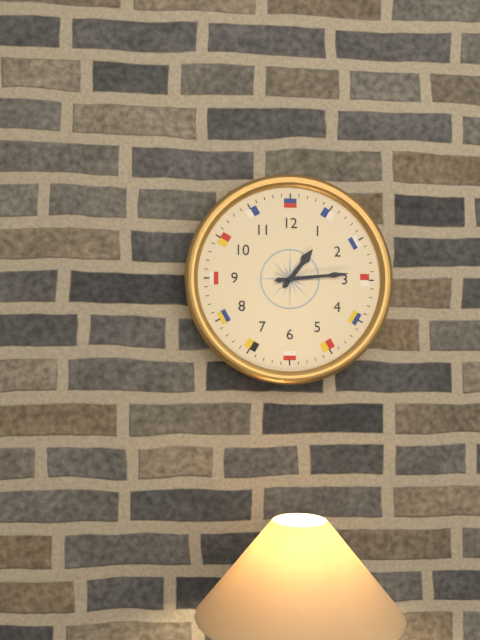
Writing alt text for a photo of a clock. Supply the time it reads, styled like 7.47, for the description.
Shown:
1.14
